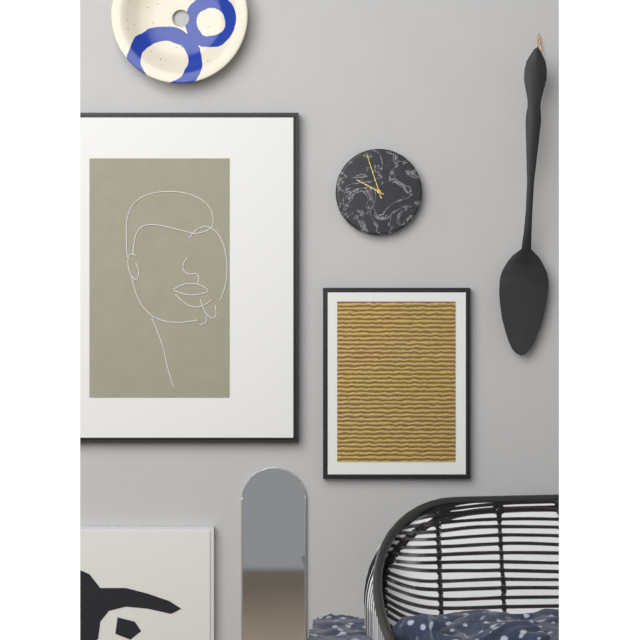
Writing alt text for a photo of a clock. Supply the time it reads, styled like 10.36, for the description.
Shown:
9.57
